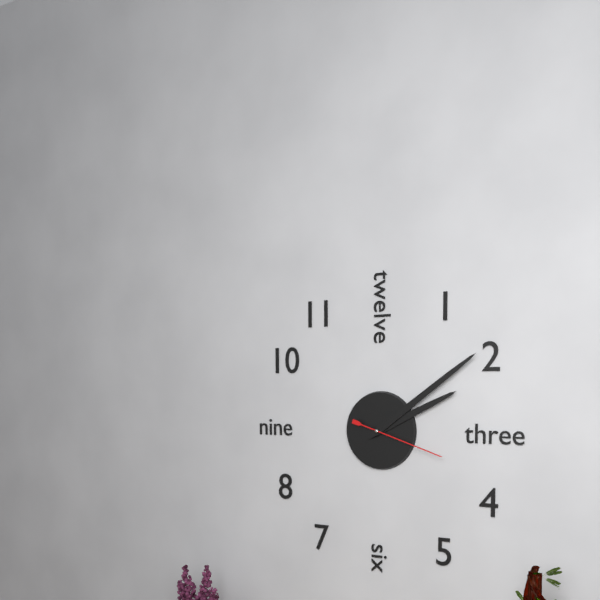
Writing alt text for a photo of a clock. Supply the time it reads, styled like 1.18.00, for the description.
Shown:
2.09.18
